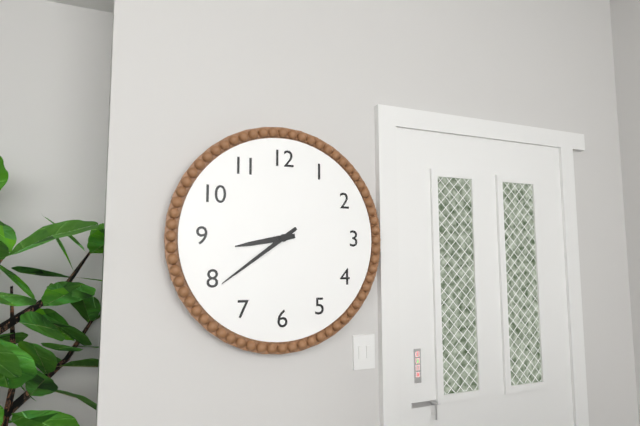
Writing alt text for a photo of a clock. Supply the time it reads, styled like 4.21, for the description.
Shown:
8.39
